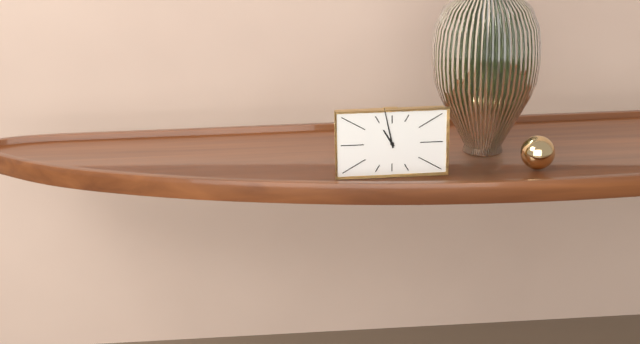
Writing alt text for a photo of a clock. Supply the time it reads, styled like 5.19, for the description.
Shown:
10.58
